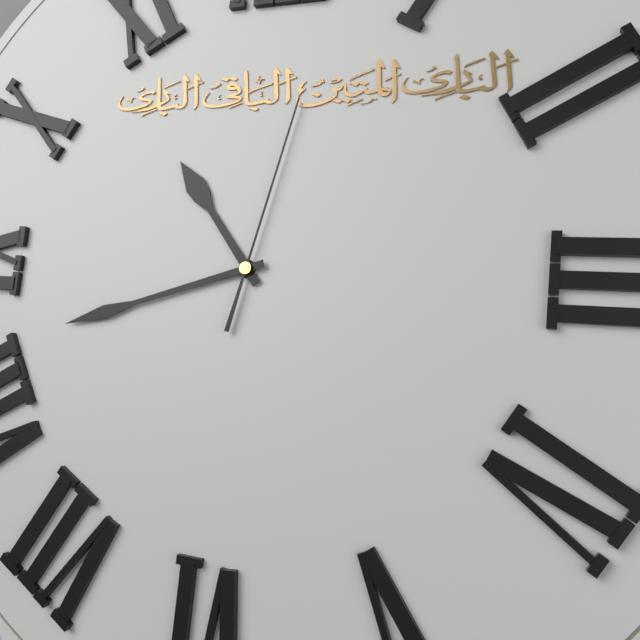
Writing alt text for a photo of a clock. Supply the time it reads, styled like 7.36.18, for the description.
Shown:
10.42.02
